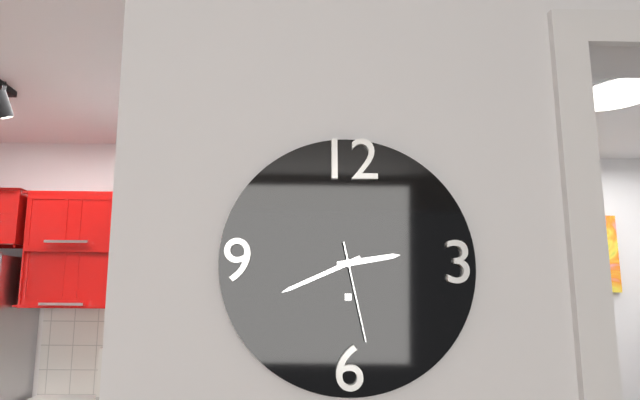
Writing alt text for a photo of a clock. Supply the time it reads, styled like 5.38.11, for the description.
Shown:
2.41.28
